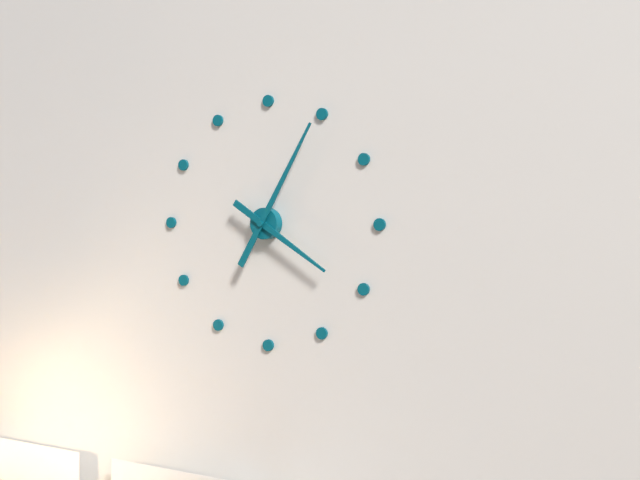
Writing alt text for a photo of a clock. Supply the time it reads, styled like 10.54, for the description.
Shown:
4.05
